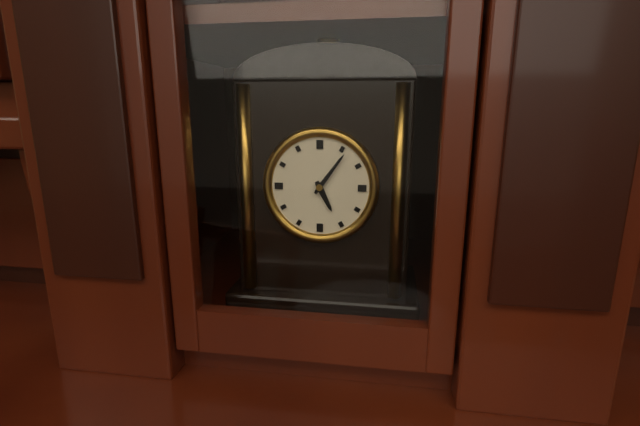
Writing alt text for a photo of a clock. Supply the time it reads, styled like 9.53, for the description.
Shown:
5.06
